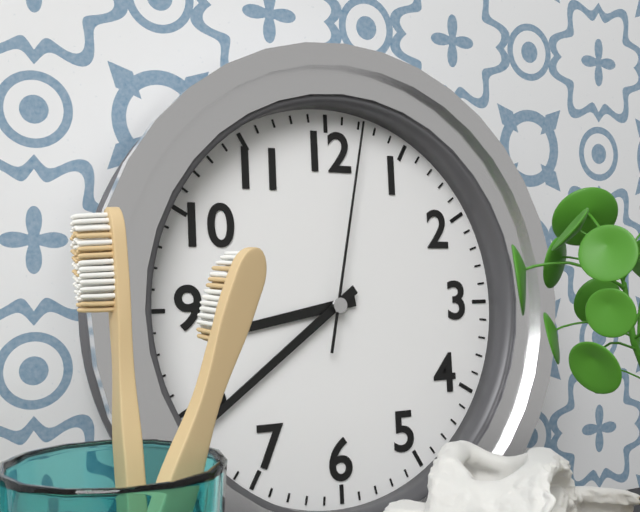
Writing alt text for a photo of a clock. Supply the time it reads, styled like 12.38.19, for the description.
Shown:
8.39.02
